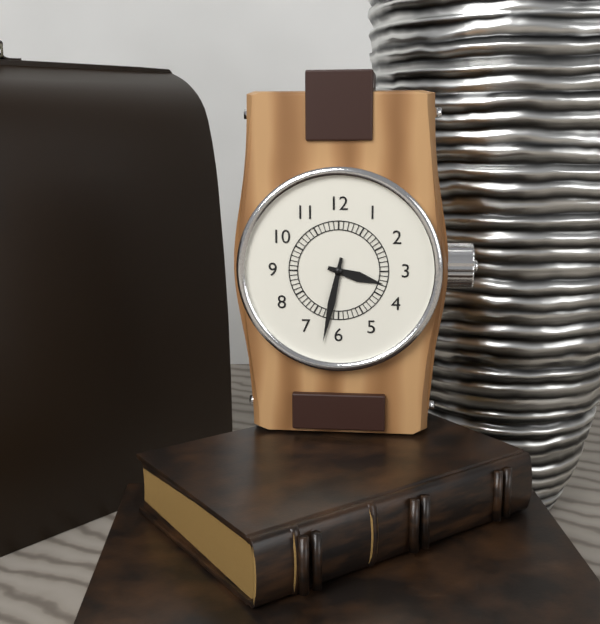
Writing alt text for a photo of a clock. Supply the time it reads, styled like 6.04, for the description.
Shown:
3.32
